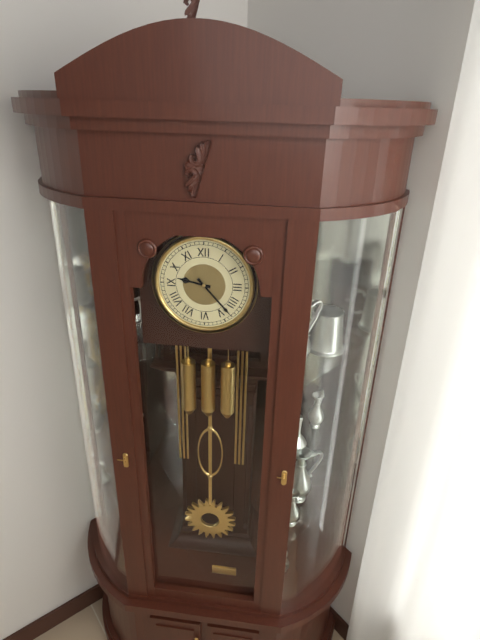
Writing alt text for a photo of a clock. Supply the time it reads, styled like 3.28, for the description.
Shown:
9.23
